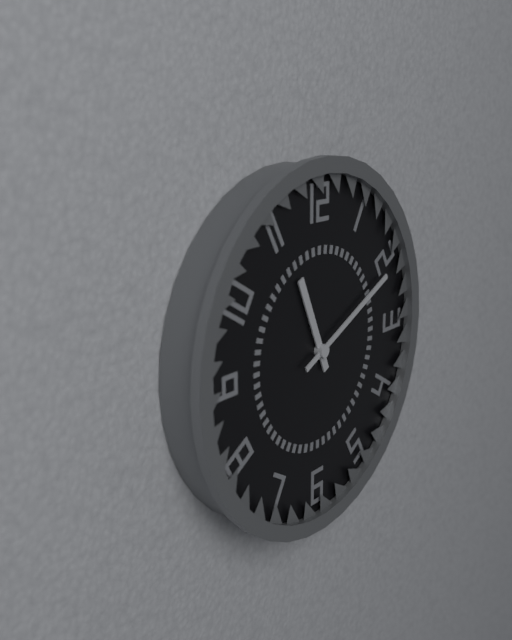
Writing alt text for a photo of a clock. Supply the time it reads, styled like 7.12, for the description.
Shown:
11.11
